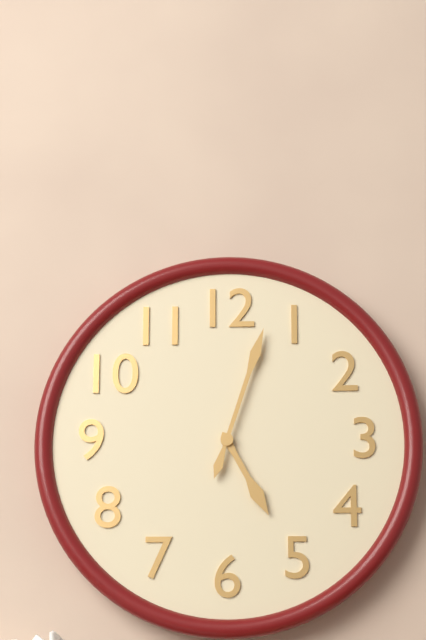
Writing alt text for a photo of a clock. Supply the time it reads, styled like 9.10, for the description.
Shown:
5.03
